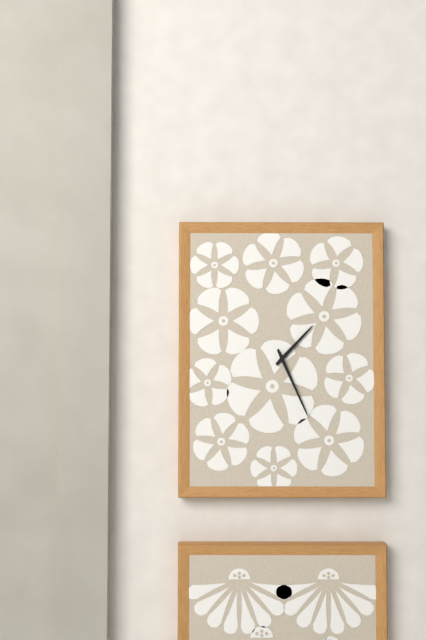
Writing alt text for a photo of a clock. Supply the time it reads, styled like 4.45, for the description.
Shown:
1.26
